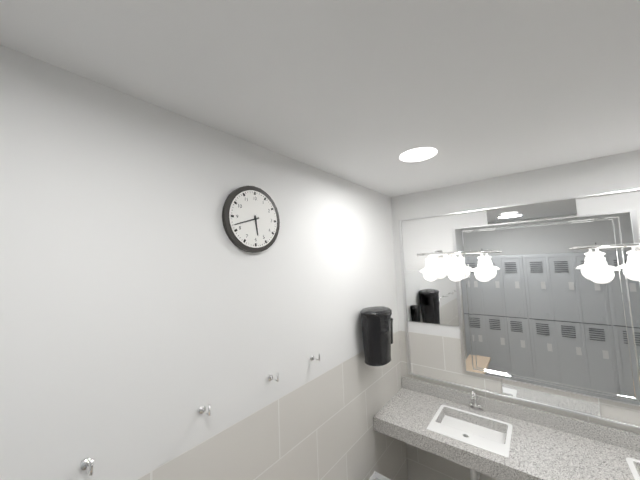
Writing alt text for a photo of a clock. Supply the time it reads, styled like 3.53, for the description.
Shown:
5.42
